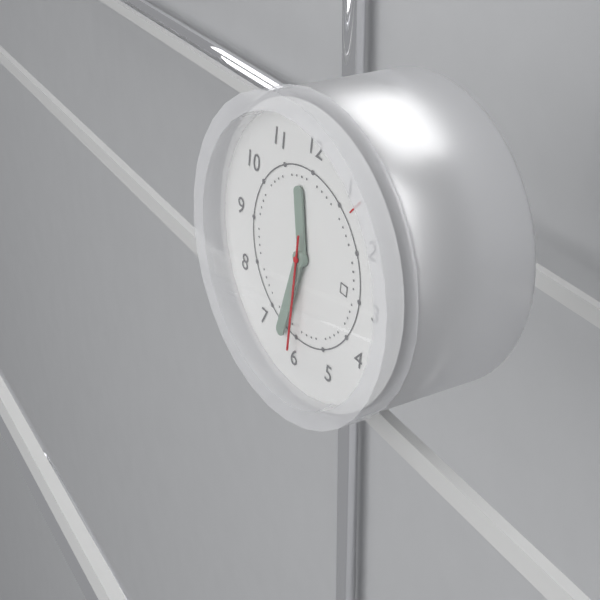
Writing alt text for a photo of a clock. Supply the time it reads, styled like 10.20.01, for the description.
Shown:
11.32.30
